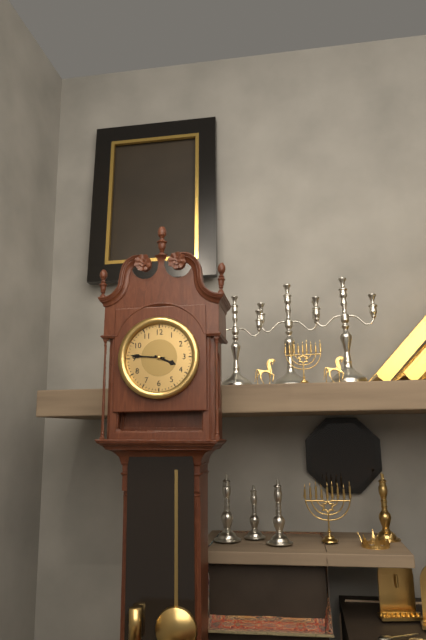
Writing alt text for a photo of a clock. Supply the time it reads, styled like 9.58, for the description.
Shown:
3.46
